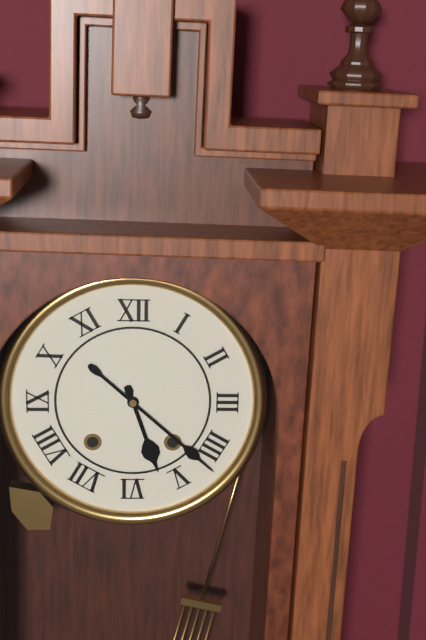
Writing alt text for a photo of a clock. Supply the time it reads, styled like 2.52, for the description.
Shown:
5.22
